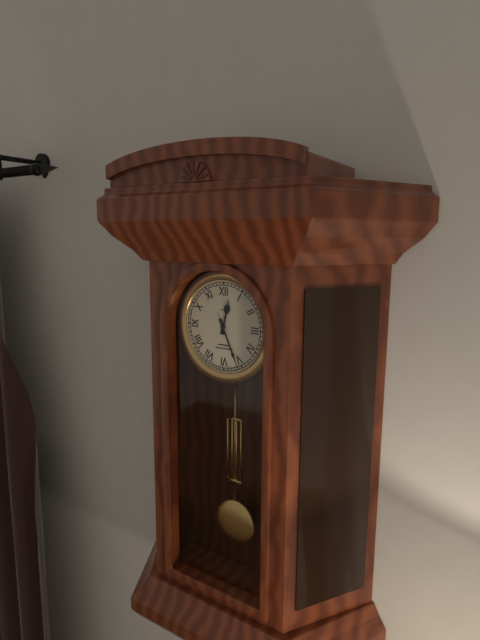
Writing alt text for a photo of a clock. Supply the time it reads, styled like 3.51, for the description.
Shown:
12.26
